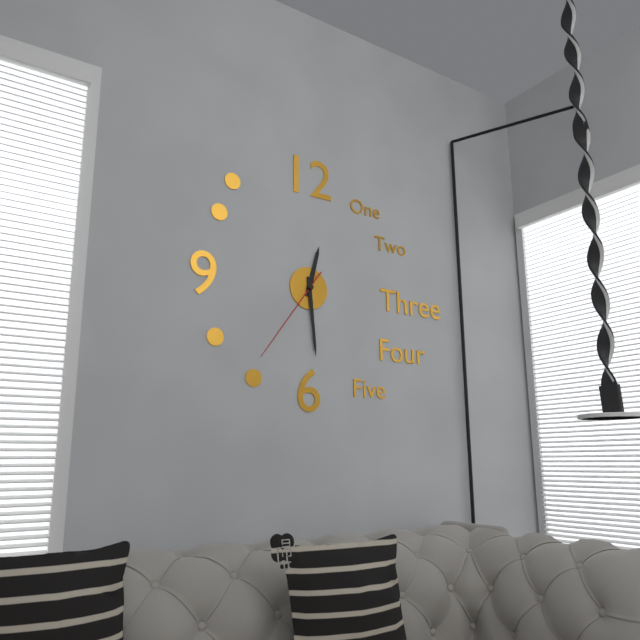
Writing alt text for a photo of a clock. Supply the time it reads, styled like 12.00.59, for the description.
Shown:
12.29.36
